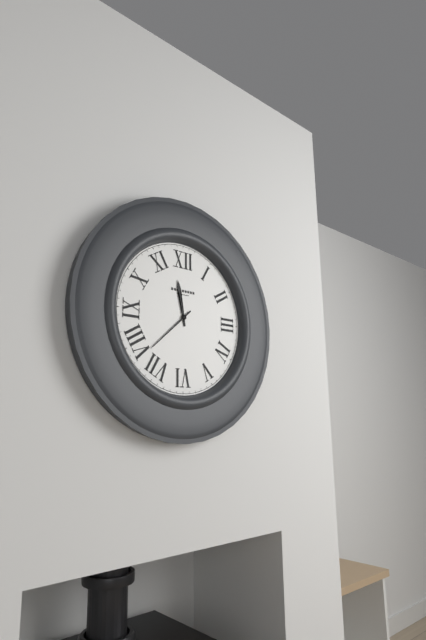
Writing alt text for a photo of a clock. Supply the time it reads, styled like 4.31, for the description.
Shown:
11.38
